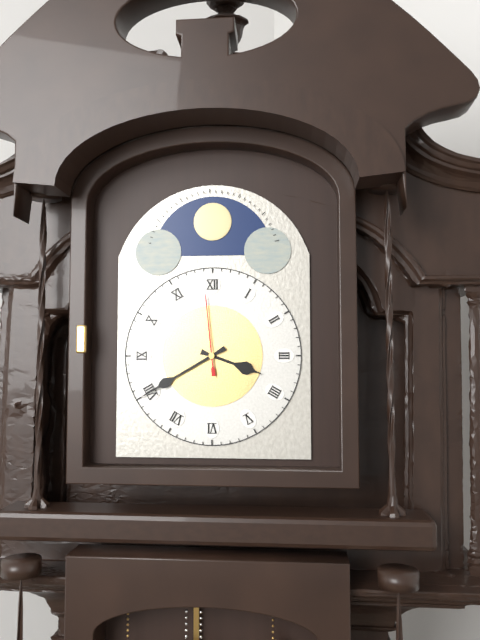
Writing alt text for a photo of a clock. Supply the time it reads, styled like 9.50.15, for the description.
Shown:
3.40.59
